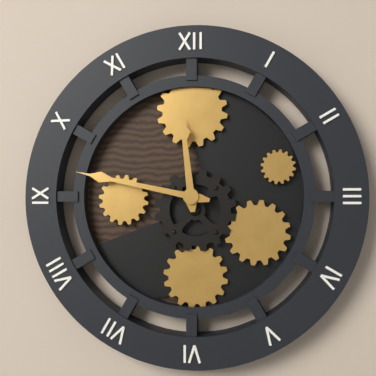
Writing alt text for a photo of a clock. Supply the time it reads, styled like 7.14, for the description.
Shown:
11.47
